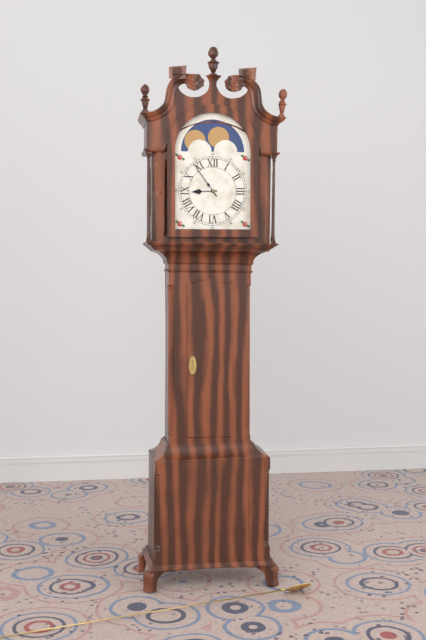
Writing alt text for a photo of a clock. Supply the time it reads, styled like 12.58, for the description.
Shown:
8.54
